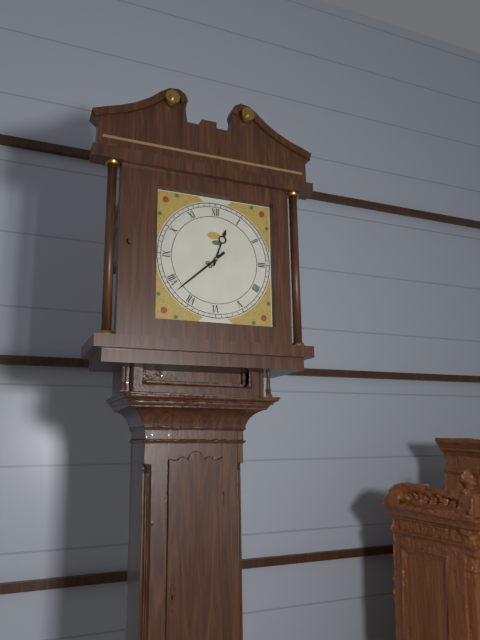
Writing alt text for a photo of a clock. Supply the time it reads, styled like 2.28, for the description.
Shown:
12.38
